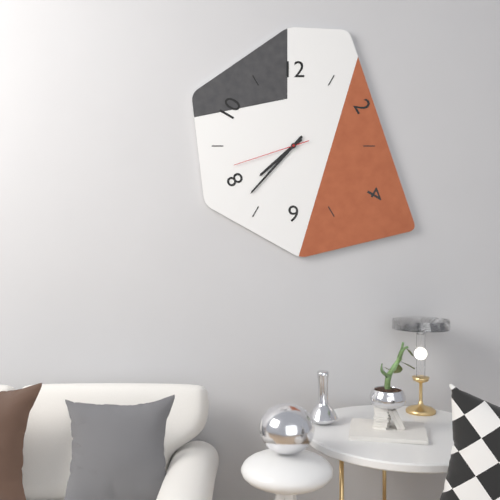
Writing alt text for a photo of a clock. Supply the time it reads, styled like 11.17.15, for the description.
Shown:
7.37.42
